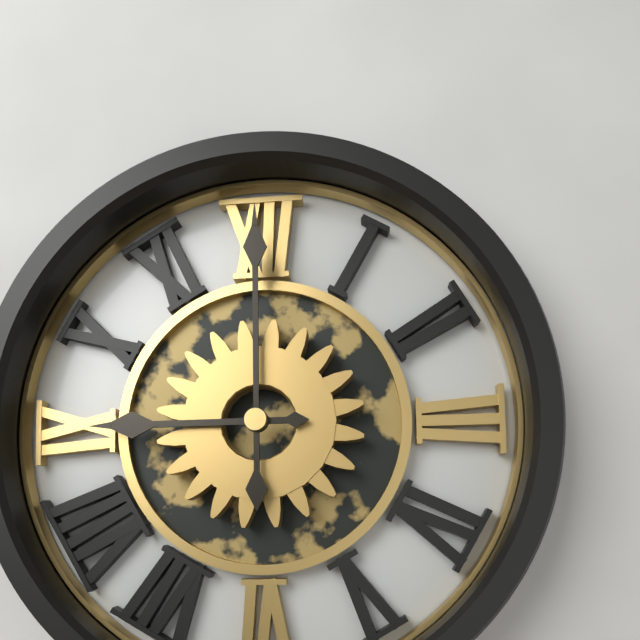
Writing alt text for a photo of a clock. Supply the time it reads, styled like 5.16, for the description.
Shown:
9.00
